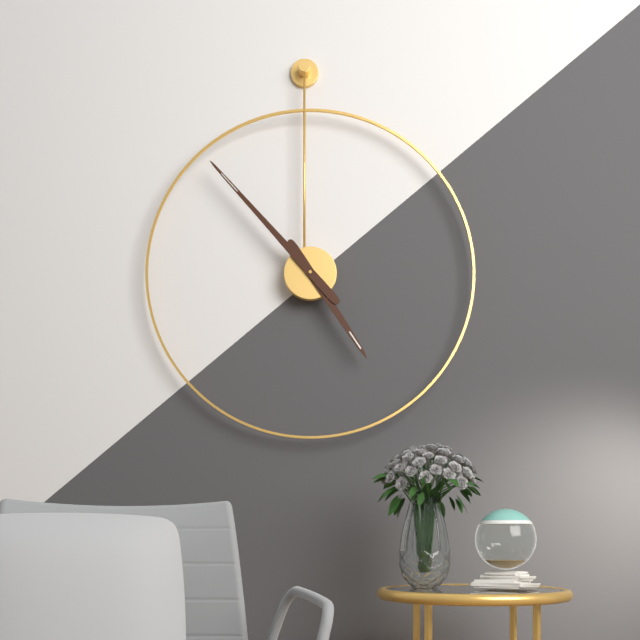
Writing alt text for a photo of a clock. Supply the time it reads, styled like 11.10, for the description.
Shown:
4.53
